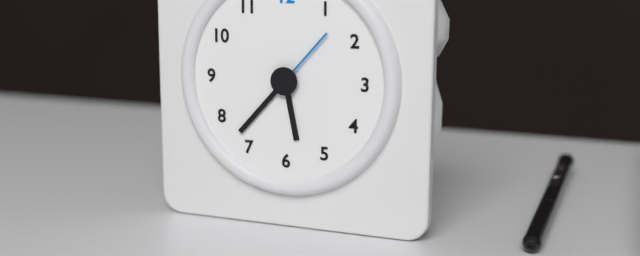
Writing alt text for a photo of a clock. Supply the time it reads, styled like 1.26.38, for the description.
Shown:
5.37.07
